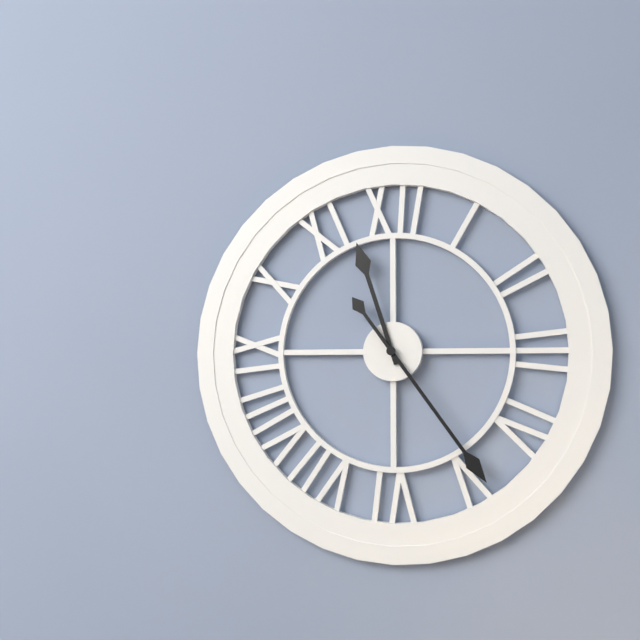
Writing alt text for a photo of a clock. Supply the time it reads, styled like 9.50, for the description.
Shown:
11.24
